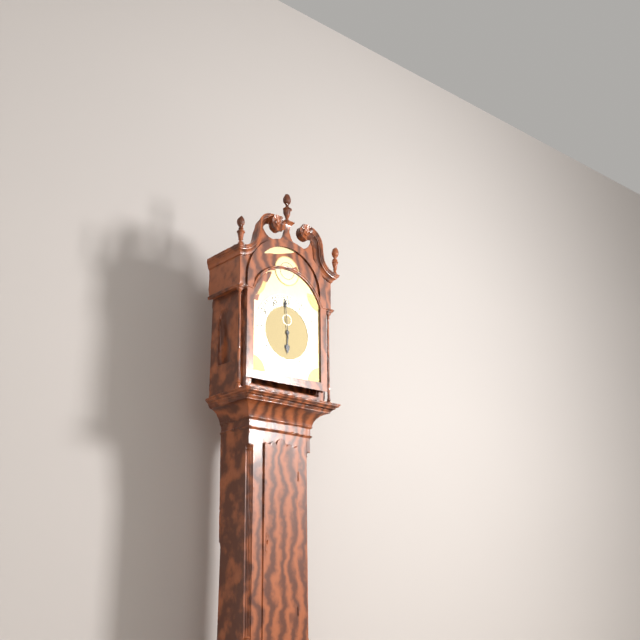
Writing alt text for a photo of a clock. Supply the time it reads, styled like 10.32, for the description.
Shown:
5.59
